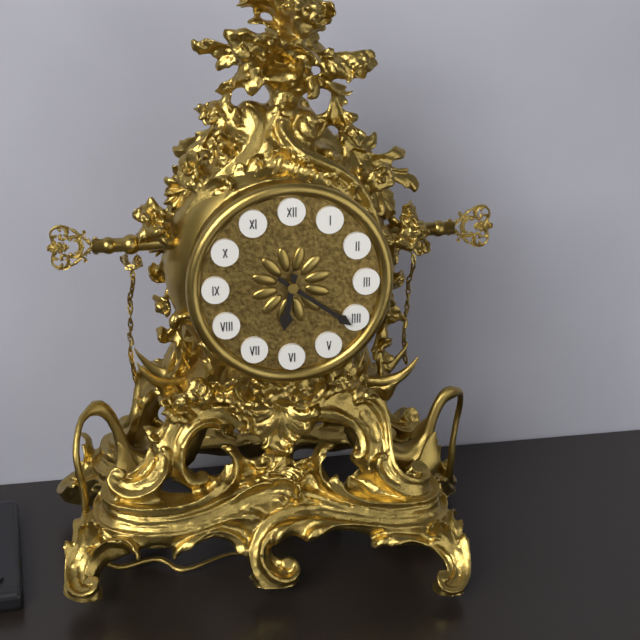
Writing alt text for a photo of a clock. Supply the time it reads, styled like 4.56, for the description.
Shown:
6.21
